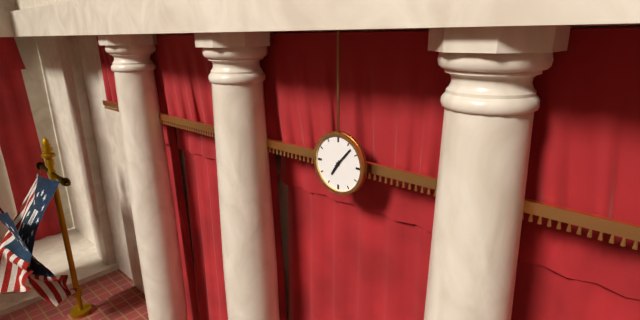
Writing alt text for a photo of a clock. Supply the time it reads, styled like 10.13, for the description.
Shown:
7.07
